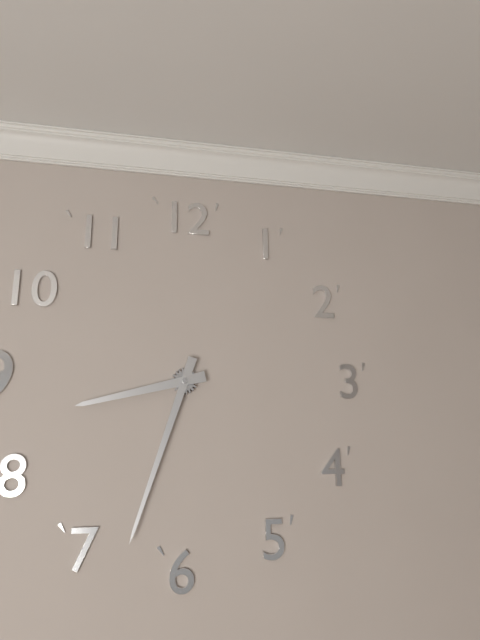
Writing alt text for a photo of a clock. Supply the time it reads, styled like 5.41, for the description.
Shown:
8.33
